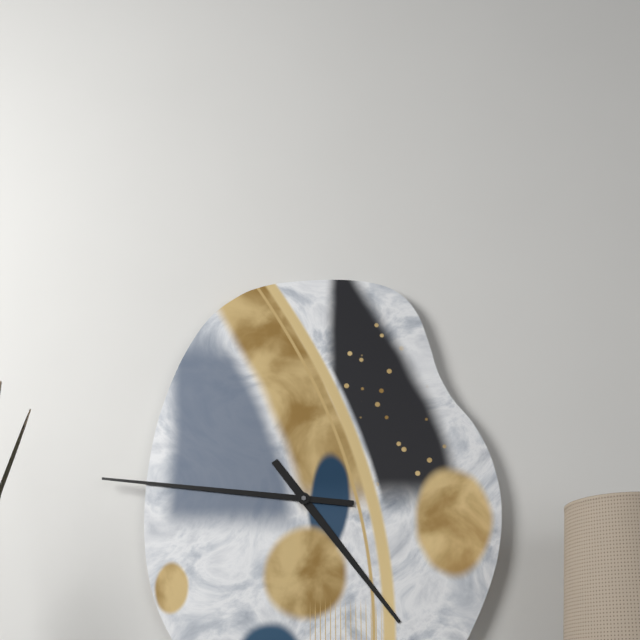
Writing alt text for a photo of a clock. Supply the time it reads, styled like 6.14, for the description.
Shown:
4.46
